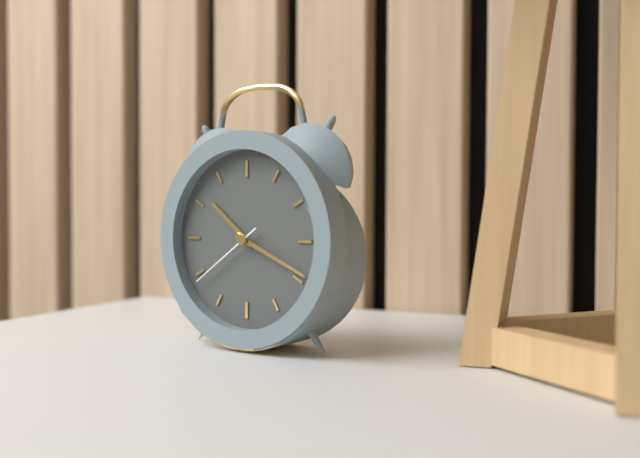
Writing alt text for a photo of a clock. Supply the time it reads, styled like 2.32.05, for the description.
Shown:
10.19.39
